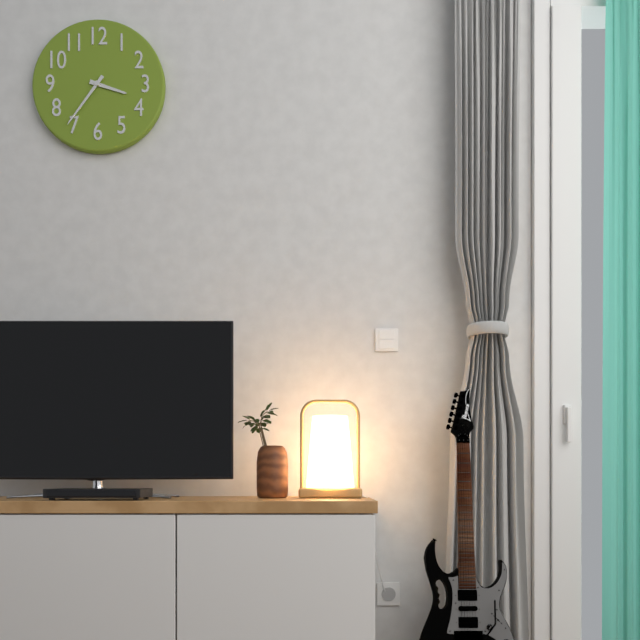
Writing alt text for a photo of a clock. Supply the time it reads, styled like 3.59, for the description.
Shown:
3.36
